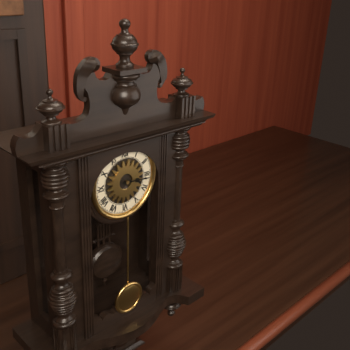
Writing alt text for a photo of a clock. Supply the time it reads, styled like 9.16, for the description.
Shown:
3.16
